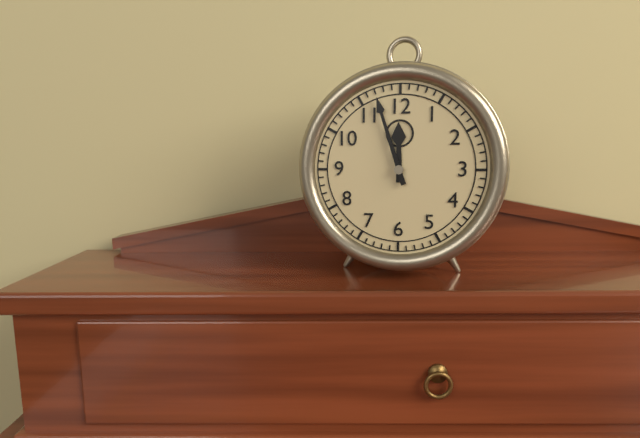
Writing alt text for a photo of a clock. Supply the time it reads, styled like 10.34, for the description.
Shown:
11.57
